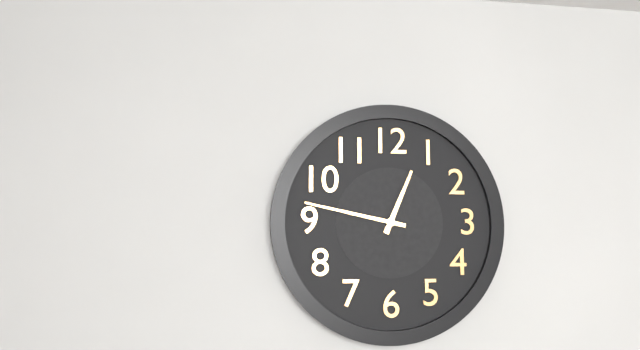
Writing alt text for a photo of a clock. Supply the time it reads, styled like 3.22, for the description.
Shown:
12.47
